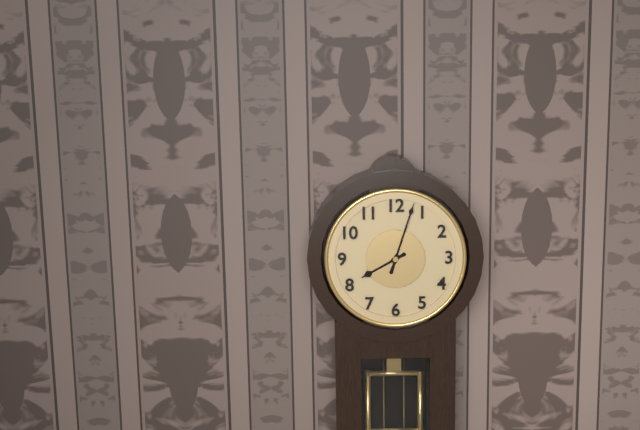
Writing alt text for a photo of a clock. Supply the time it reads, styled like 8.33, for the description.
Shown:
8.03
